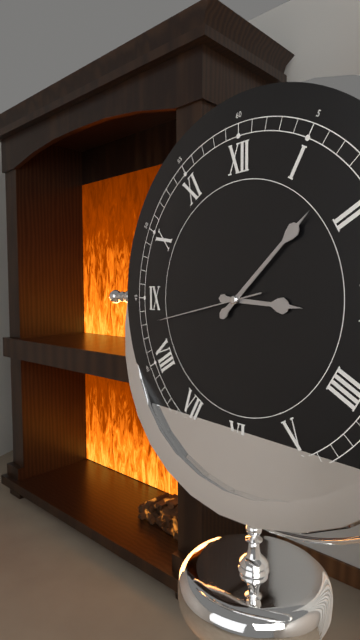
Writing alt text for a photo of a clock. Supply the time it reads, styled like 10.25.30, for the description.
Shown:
3.08.43
